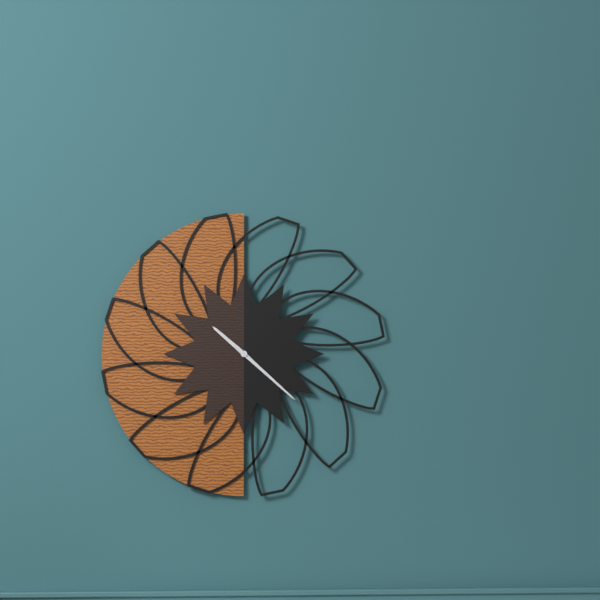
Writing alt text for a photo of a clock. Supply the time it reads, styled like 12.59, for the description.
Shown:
10.22
